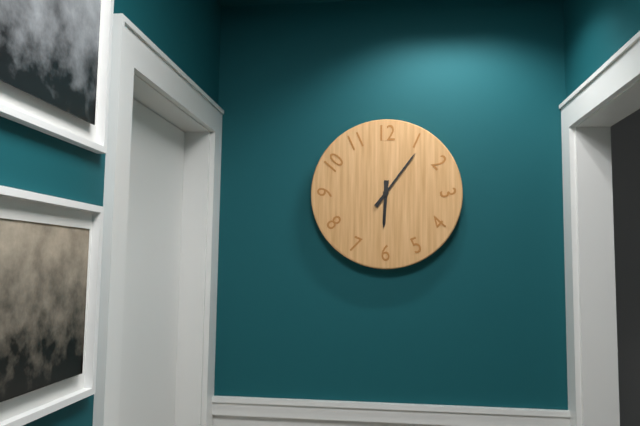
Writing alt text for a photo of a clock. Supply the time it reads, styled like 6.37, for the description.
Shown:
6.06
